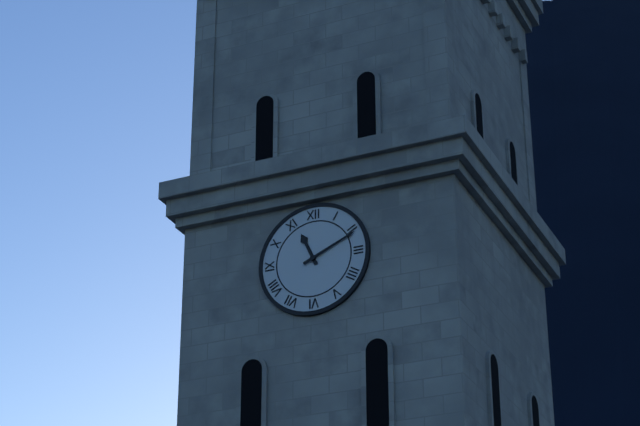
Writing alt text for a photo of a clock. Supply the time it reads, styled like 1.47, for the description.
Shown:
11.11
